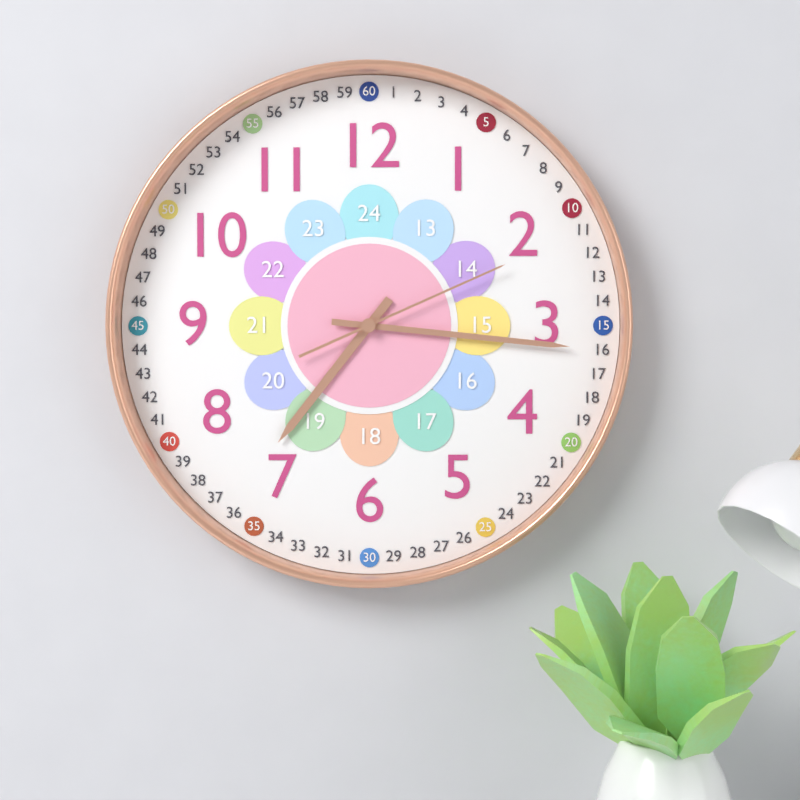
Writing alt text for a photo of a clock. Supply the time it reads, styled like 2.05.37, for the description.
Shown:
7.16.11
